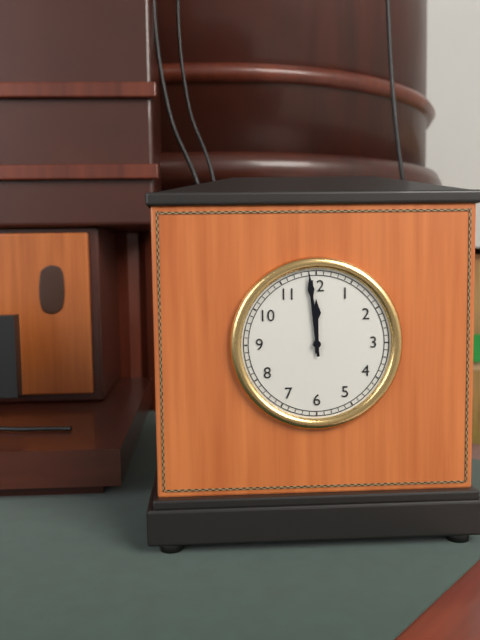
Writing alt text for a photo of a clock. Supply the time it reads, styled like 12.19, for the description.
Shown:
11.59
